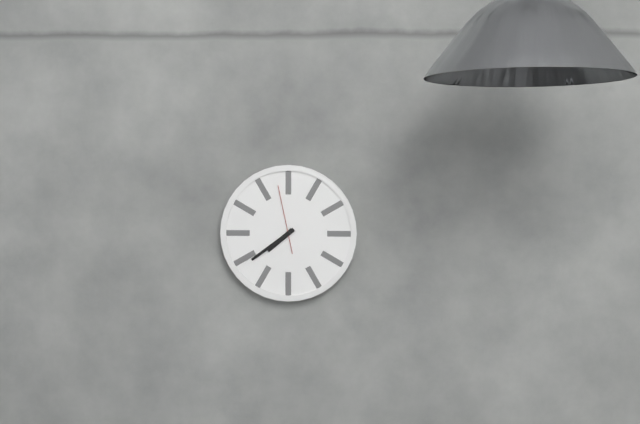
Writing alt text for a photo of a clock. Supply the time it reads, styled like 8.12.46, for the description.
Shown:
7.39.58
